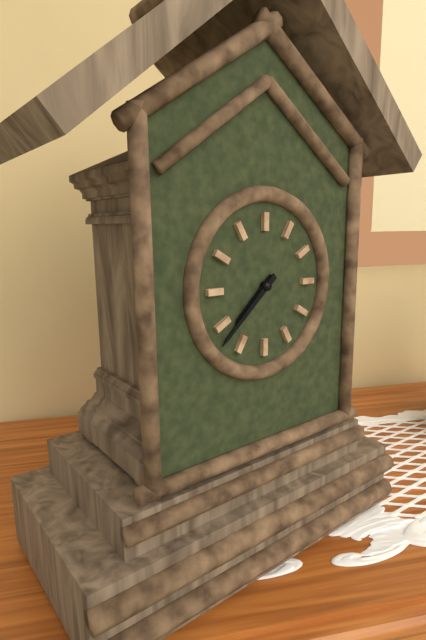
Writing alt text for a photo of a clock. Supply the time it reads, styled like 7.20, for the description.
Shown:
7.38
